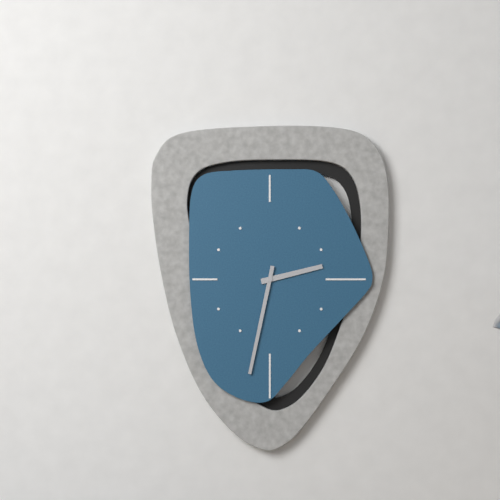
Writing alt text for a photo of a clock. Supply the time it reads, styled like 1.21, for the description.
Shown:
2.32
